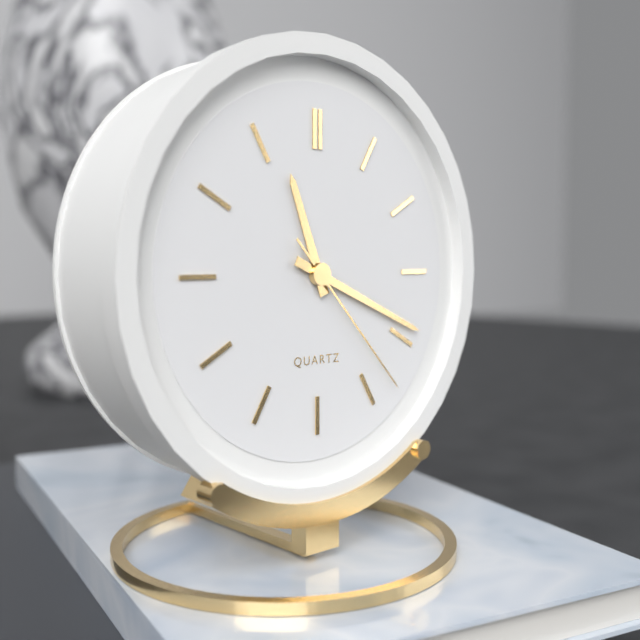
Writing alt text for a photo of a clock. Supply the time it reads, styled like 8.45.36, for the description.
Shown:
11.19.23
